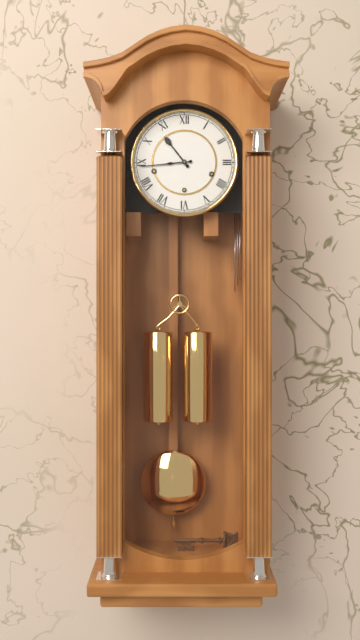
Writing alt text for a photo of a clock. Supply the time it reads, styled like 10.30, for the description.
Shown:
10.44
